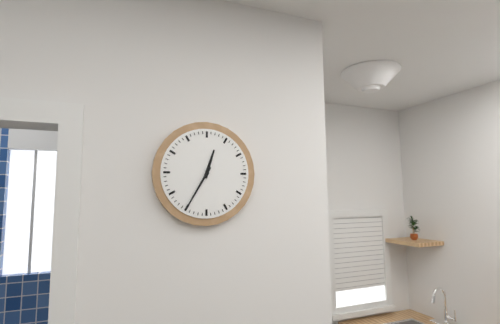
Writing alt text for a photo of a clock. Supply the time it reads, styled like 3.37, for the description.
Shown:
12.35
